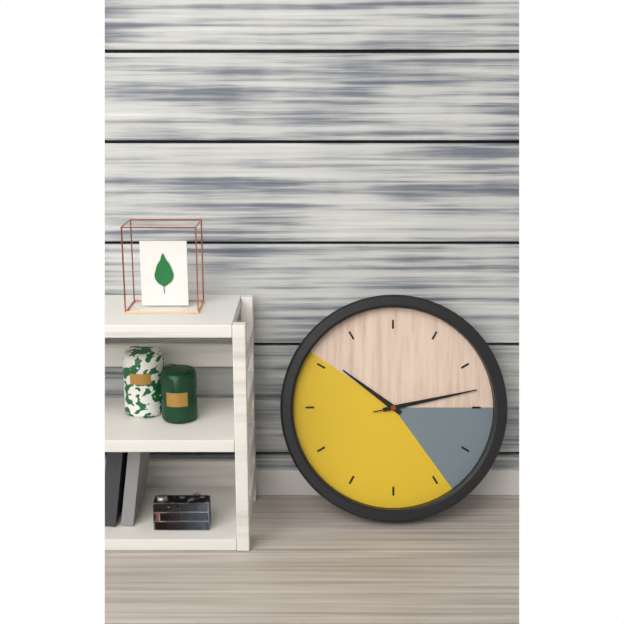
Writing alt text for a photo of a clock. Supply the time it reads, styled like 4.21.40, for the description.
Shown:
10.13.13
